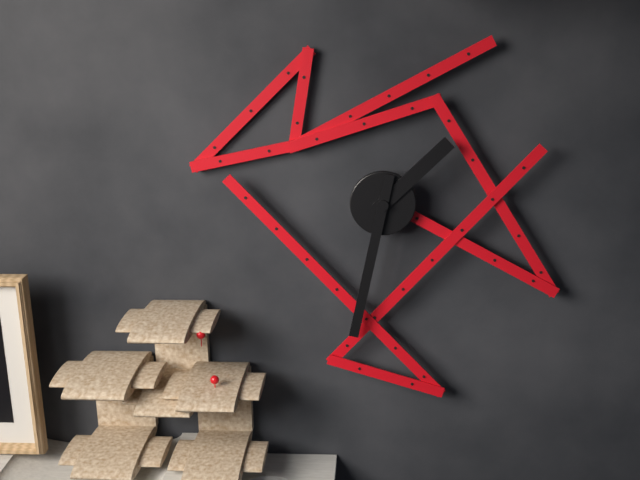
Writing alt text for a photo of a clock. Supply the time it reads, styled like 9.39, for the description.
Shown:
1.32
